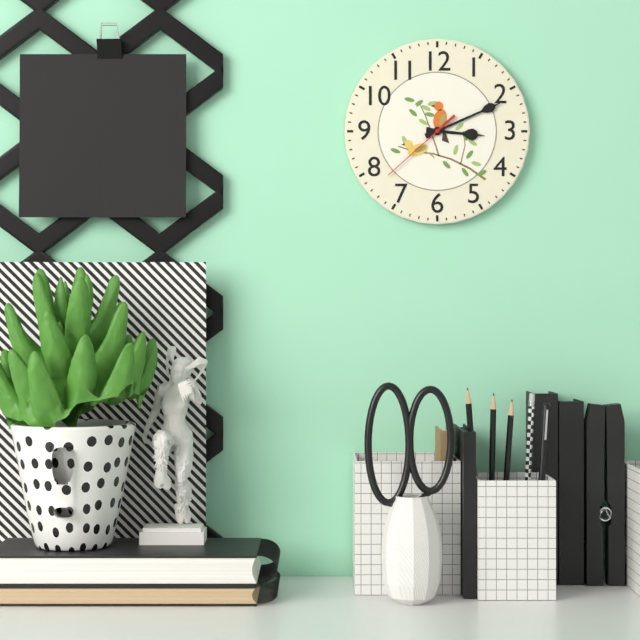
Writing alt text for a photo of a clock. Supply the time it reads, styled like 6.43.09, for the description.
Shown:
3.11.38
